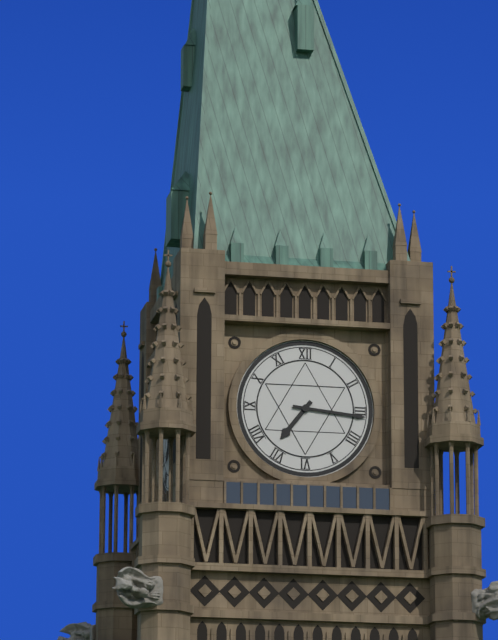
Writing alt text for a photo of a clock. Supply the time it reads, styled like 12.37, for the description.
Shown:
7.16
